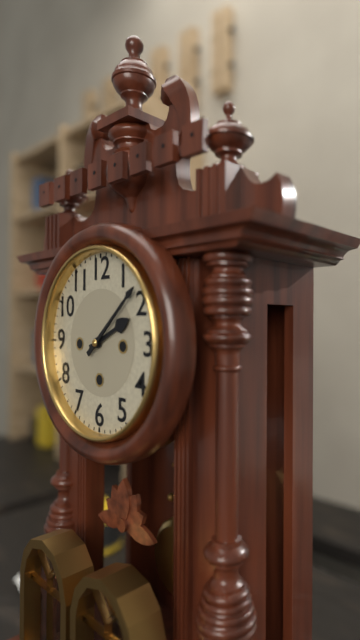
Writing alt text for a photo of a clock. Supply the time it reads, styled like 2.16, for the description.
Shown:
2.08
